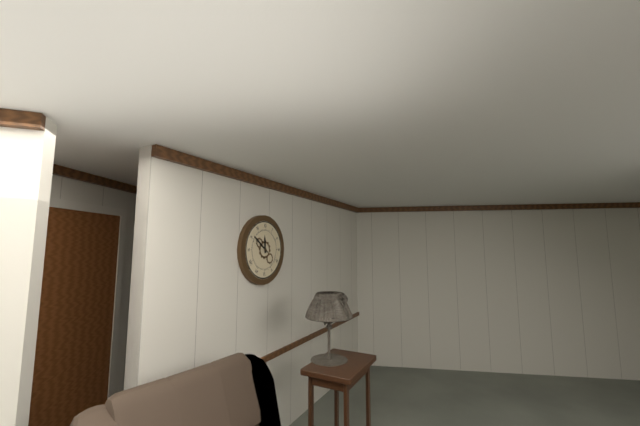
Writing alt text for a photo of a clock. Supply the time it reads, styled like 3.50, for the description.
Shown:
11.51
